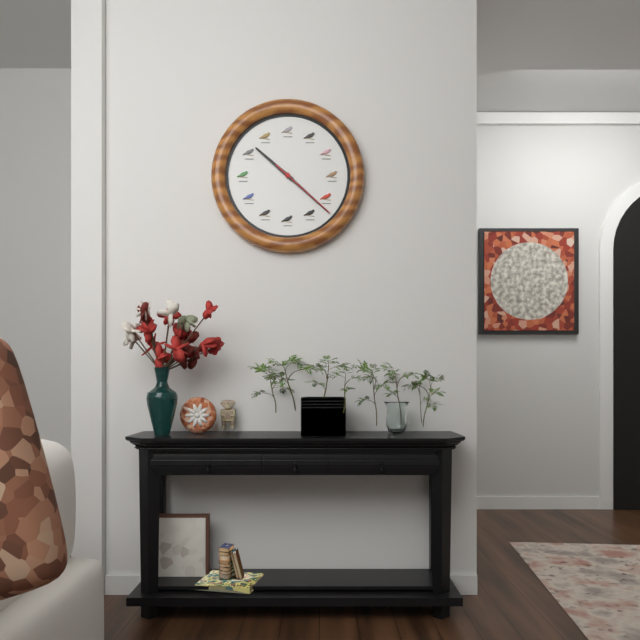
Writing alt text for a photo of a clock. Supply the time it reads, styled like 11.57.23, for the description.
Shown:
10.22.22
